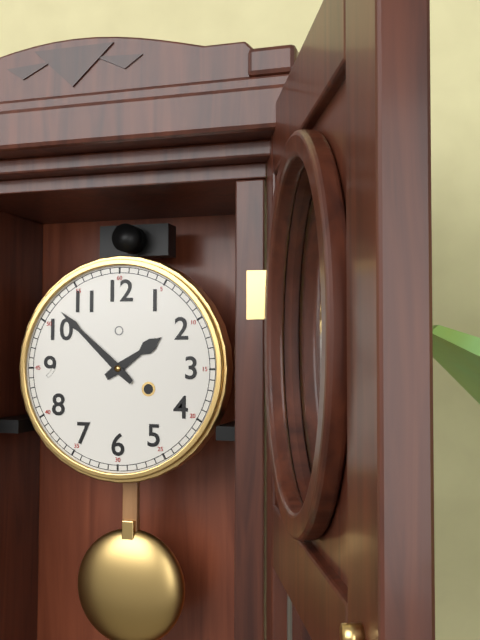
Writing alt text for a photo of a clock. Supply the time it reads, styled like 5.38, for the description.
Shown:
1.52
